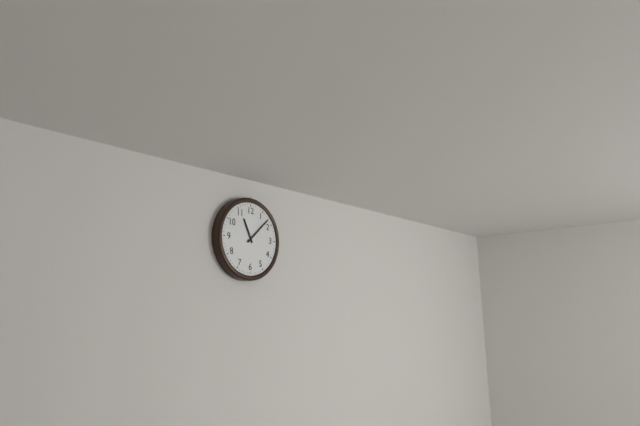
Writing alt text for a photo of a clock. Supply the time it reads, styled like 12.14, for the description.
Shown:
11.08
